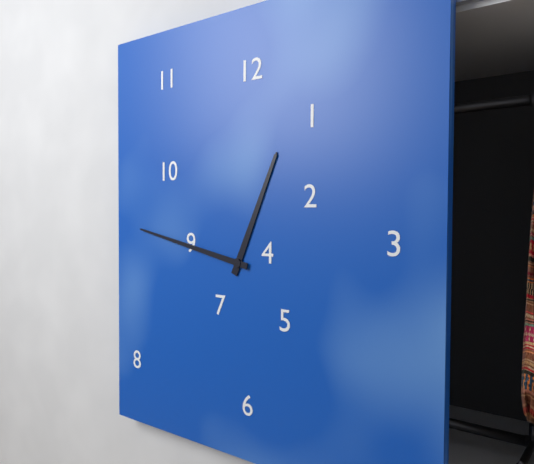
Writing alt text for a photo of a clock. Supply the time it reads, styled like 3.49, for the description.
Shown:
12.47
